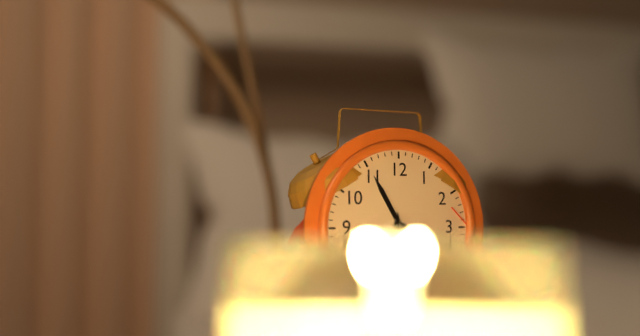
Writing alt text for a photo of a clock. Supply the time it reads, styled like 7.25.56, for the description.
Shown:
3.55.27
